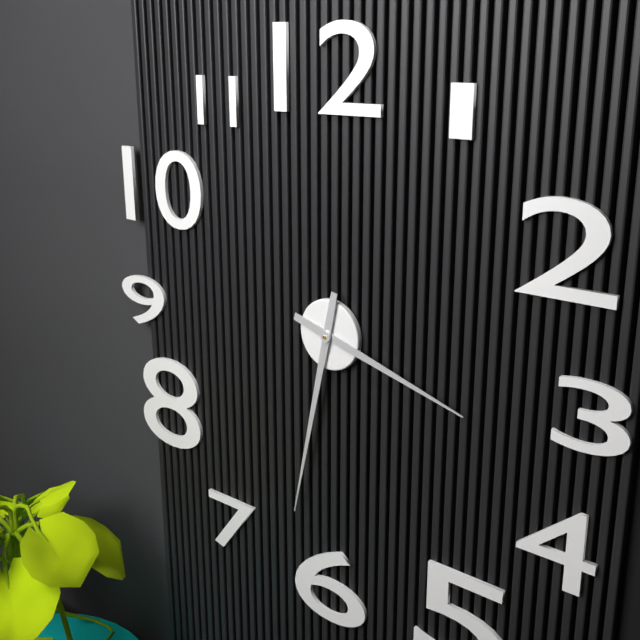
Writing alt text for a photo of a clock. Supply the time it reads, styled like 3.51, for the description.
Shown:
3.32
